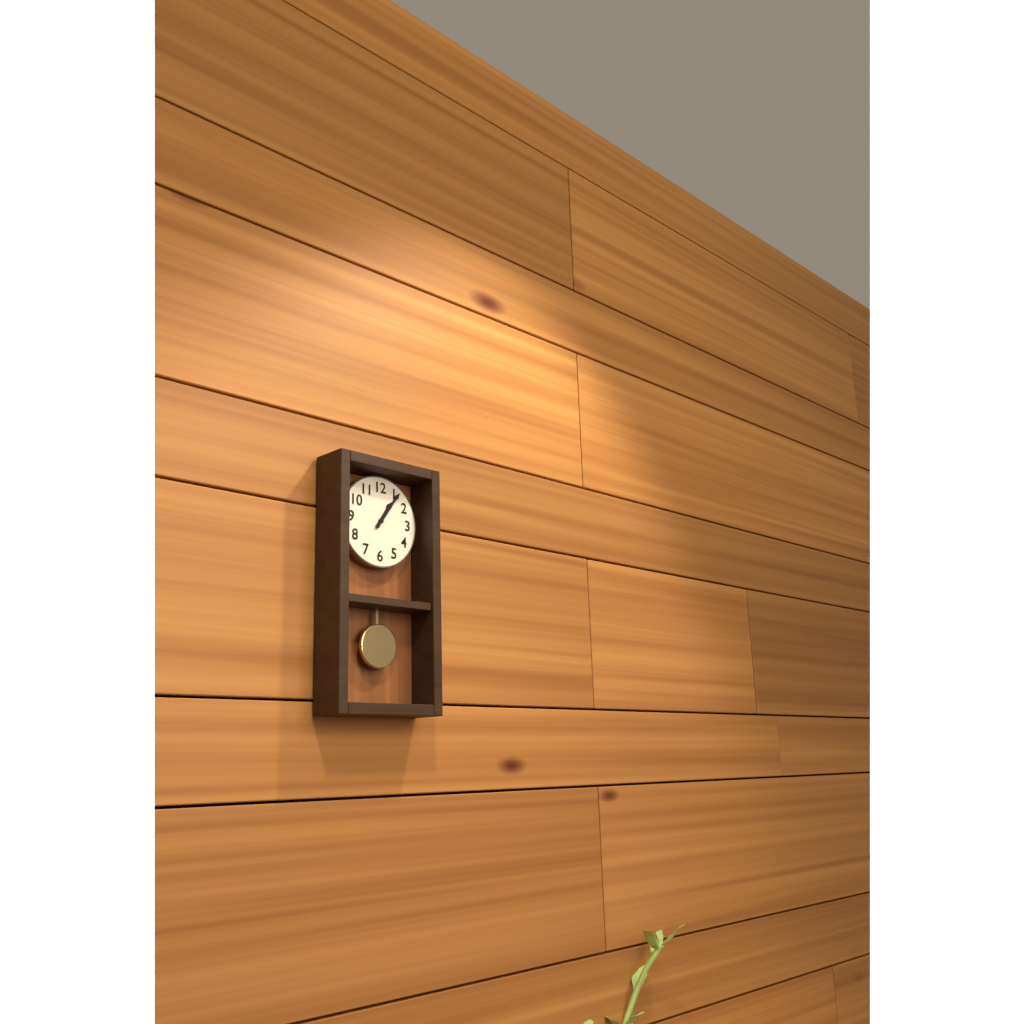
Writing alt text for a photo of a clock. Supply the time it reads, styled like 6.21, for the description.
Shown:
1.06
